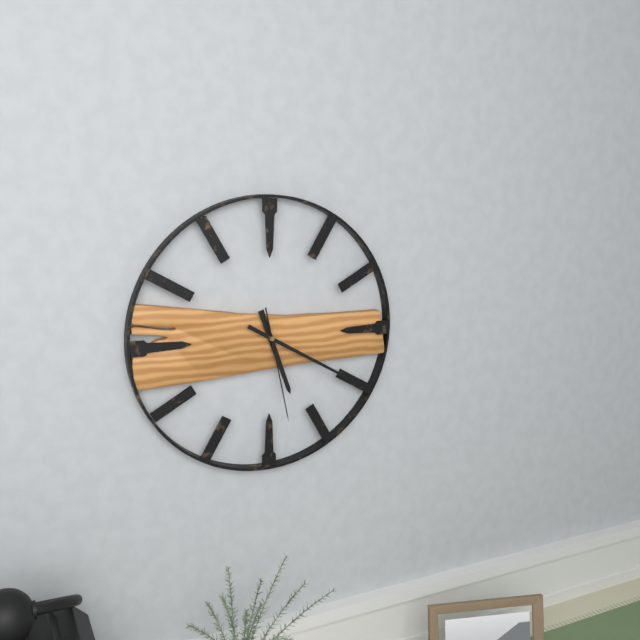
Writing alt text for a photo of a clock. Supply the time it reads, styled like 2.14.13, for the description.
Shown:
5.20.28
